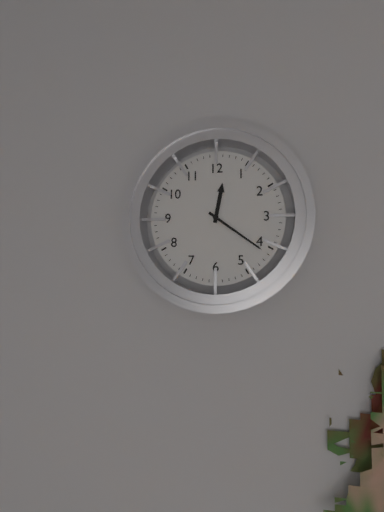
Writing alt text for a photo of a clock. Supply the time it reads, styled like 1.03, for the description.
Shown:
12.21
